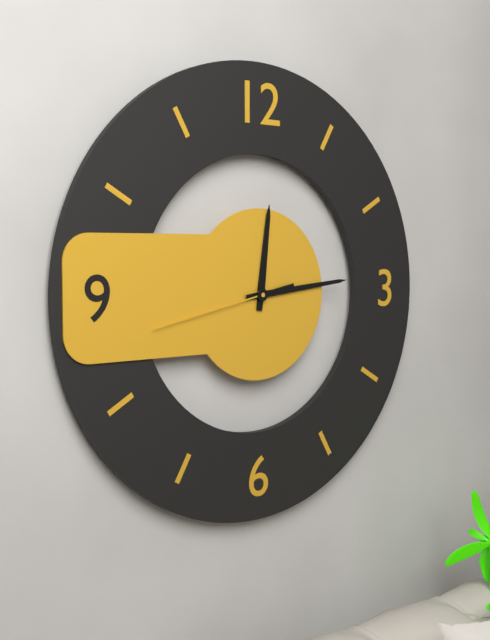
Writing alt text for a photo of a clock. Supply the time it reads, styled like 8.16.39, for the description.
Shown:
12.14.43
